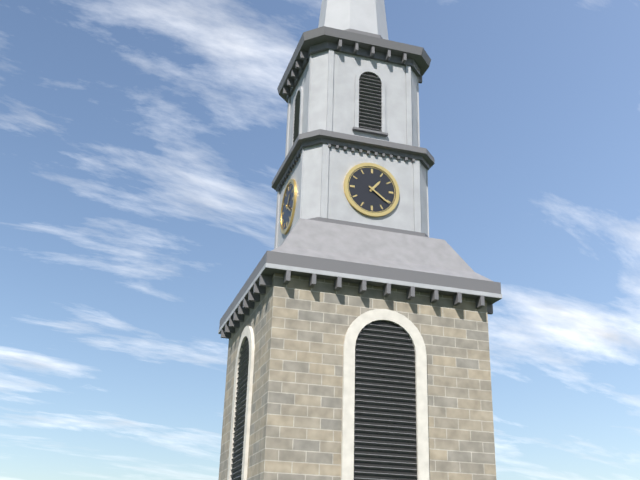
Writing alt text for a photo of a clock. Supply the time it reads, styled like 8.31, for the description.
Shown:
1.21
